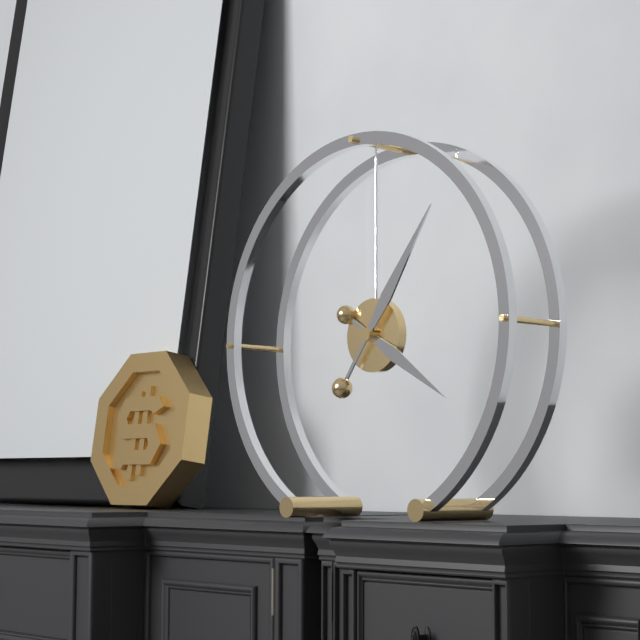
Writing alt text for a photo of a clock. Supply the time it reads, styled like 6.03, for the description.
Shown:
4.06
